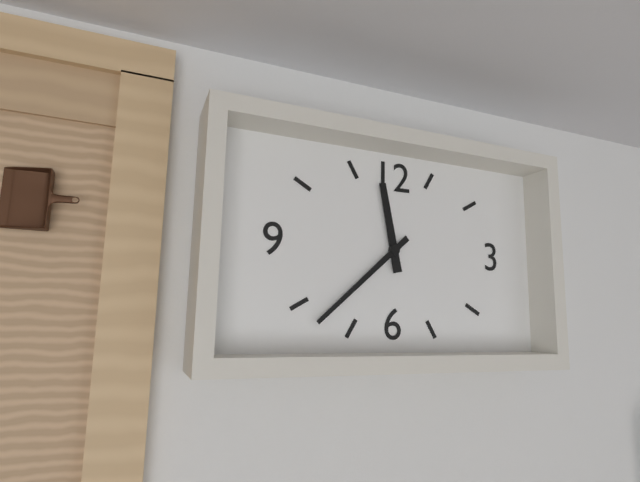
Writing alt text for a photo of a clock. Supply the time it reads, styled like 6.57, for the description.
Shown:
11.38
